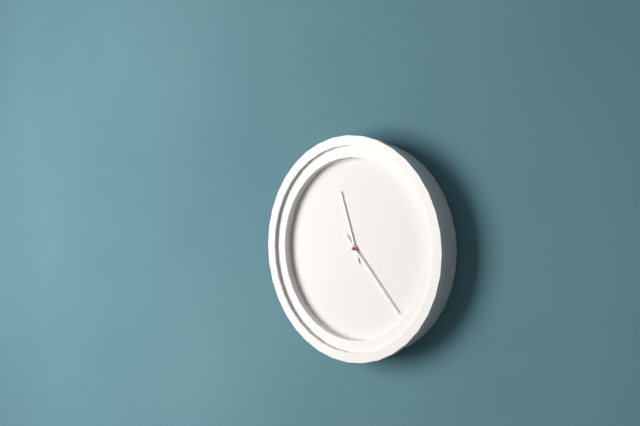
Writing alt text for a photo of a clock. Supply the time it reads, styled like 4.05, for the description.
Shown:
11.23
